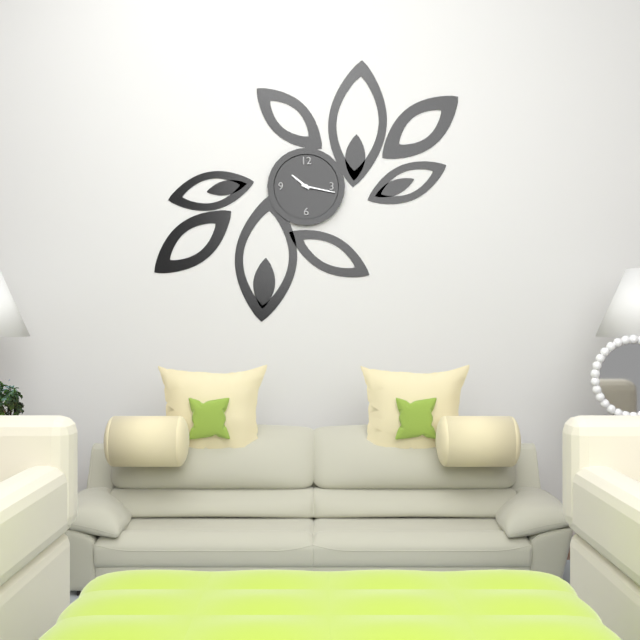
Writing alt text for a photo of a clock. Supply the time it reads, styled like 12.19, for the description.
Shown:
10.17
